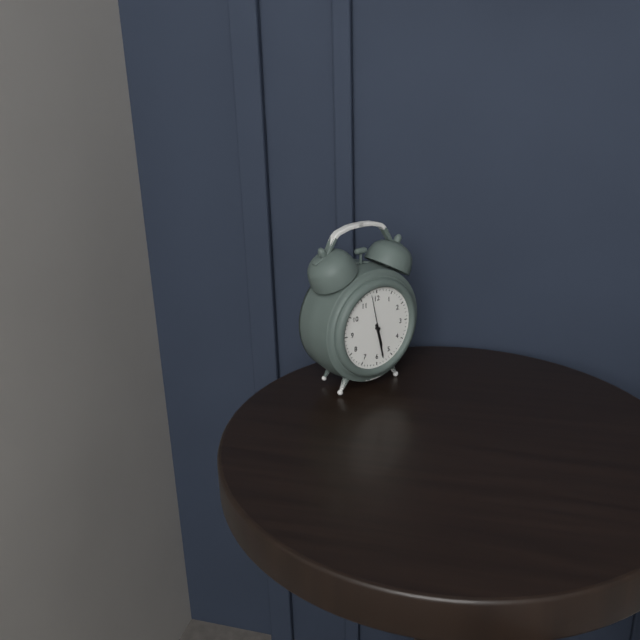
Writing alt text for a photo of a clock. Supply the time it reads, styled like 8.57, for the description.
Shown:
5.28
